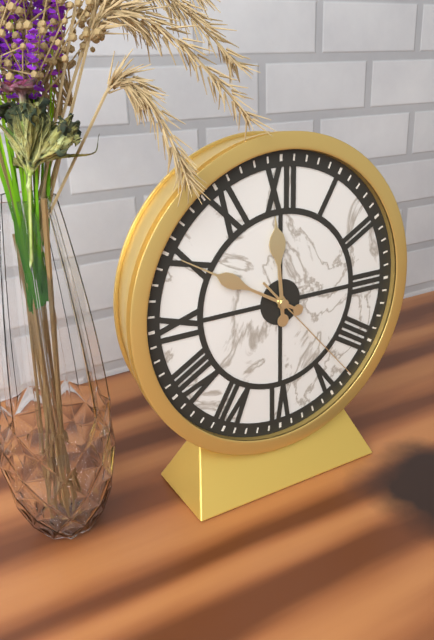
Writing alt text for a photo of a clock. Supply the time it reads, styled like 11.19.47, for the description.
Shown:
11.50.23
